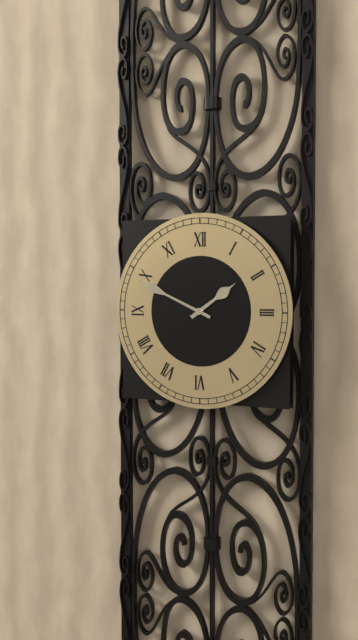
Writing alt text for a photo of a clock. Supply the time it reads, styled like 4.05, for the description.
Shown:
1.49
